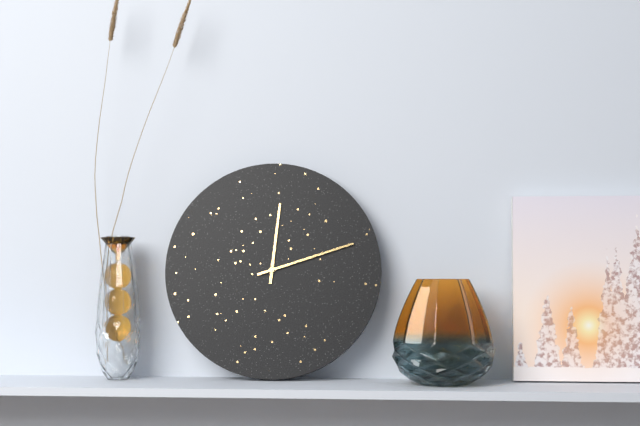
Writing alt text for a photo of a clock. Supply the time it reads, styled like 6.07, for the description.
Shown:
12.12
